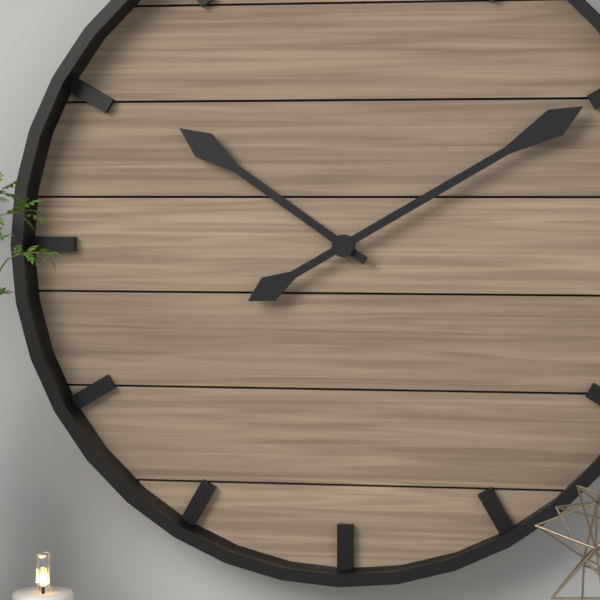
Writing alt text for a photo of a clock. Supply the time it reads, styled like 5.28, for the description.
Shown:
10.10
